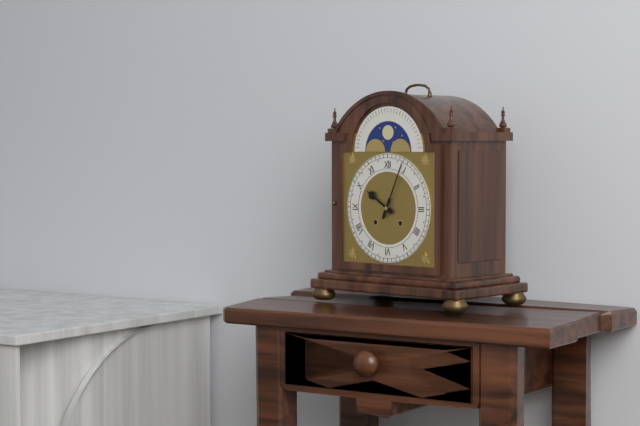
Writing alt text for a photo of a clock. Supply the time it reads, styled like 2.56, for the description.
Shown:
10.04
